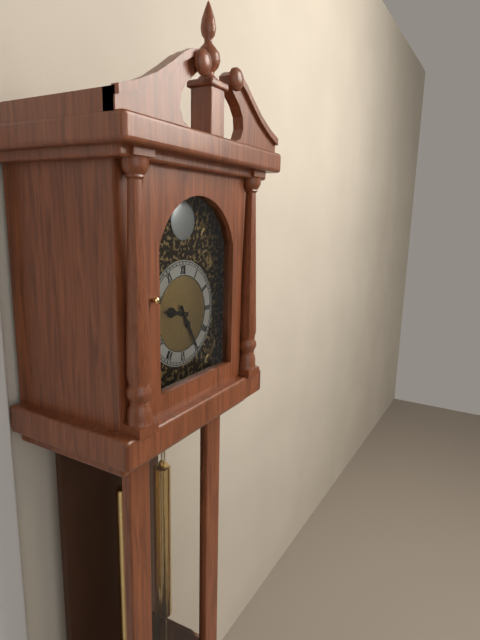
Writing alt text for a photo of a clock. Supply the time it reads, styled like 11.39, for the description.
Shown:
9.25
